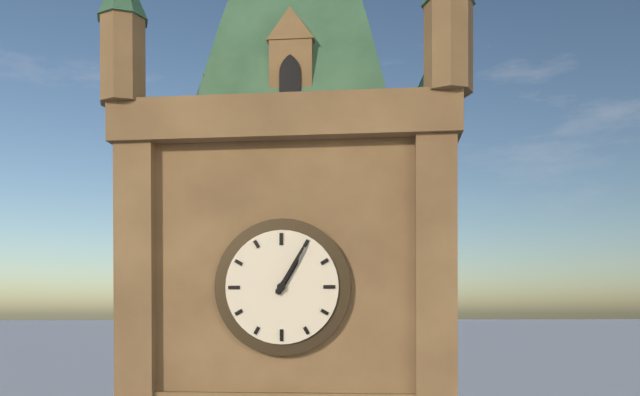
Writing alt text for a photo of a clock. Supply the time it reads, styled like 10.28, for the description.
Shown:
1.05
